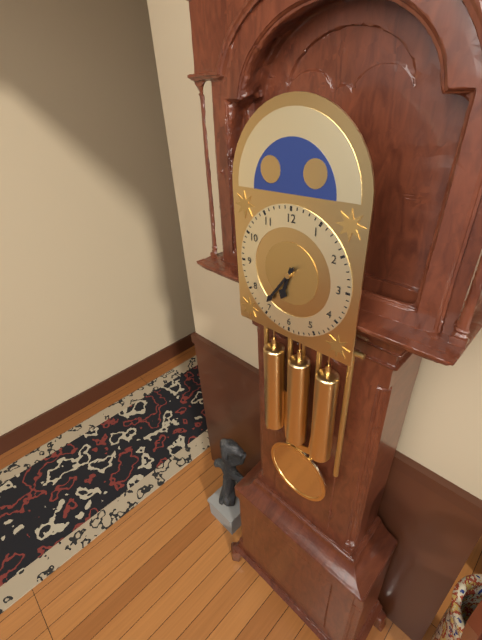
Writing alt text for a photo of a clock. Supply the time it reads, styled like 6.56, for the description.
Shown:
6.36
